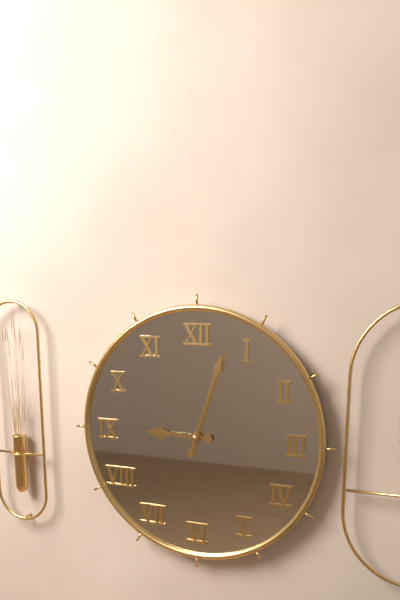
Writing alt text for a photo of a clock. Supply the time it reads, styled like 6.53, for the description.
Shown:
9.03
